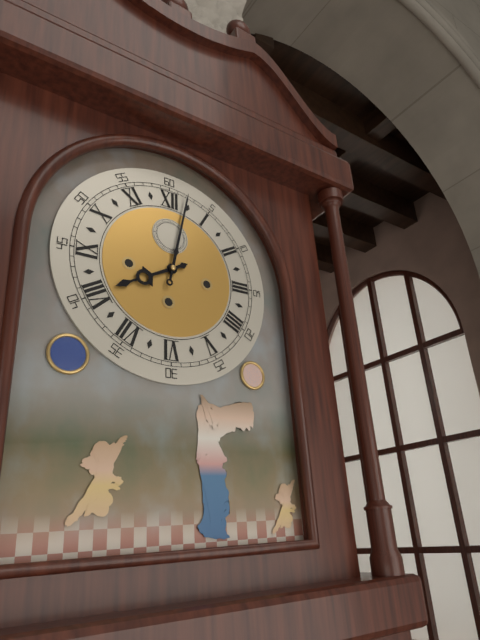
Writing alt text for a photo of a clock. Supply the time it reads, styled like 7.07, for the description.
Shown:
8.02
